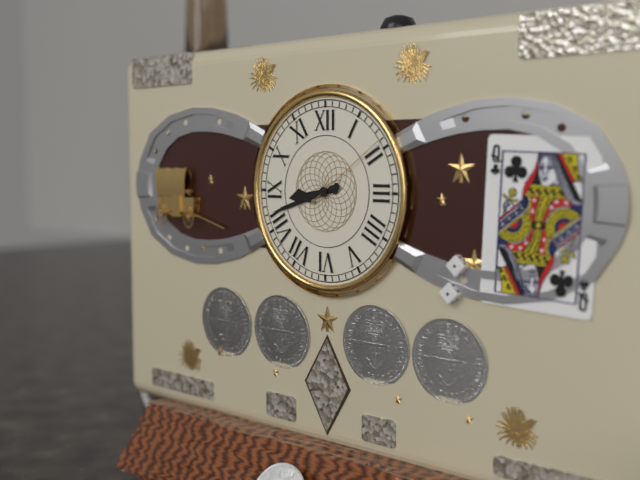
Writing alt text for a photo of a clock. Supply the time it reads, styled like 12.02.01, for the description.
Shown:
8.42.09
